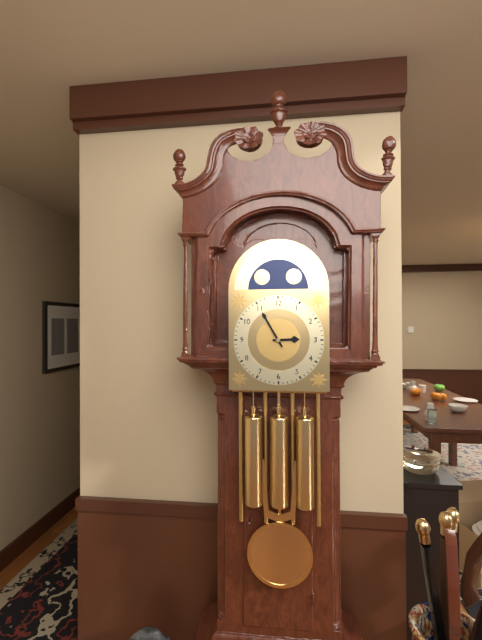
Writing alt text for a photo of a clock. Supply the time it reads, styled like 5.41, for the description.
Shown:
2.55
